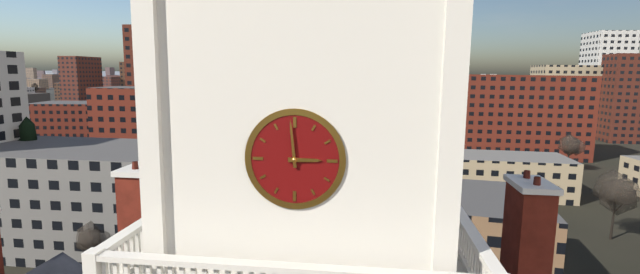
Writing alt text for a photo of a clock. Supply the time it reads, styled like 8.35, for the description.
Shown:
2.59
